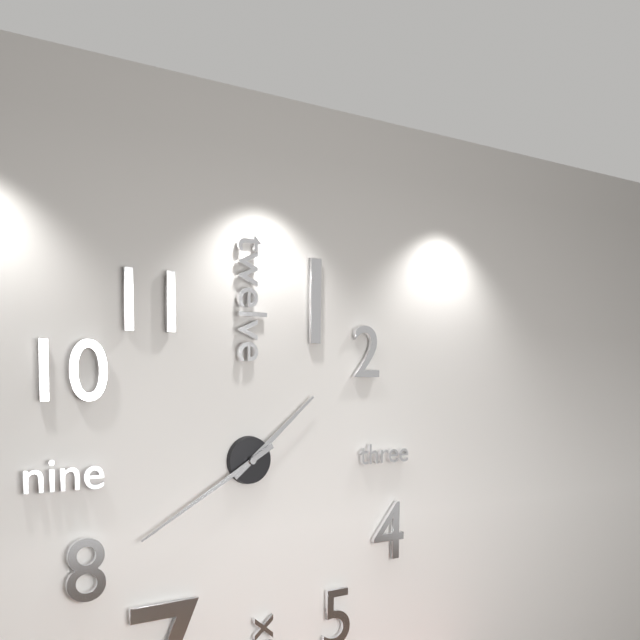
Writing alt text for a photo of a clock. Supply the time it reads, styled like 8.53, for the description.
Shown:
1.40
